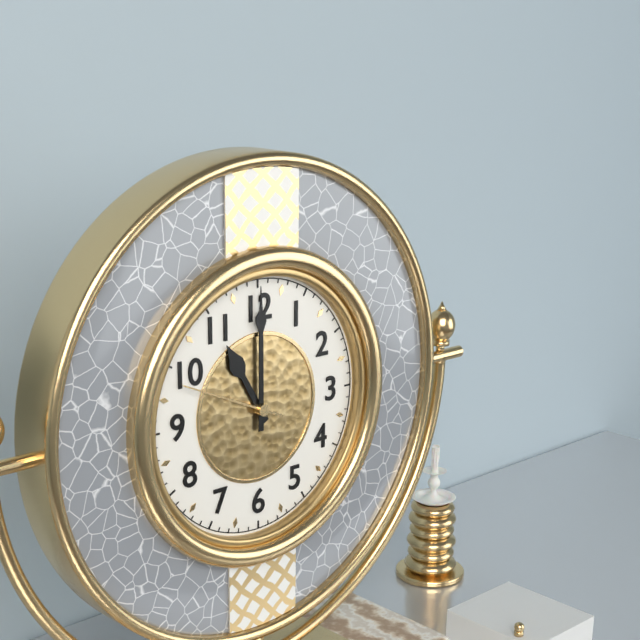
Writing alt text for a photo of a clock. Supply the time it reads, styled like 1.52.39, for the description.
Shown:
11.00.49
